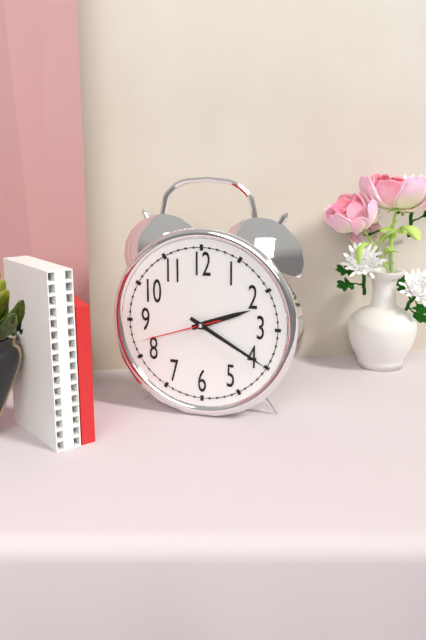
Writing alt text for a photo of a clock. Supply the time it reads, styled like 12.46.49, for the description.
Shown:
2.20.42
